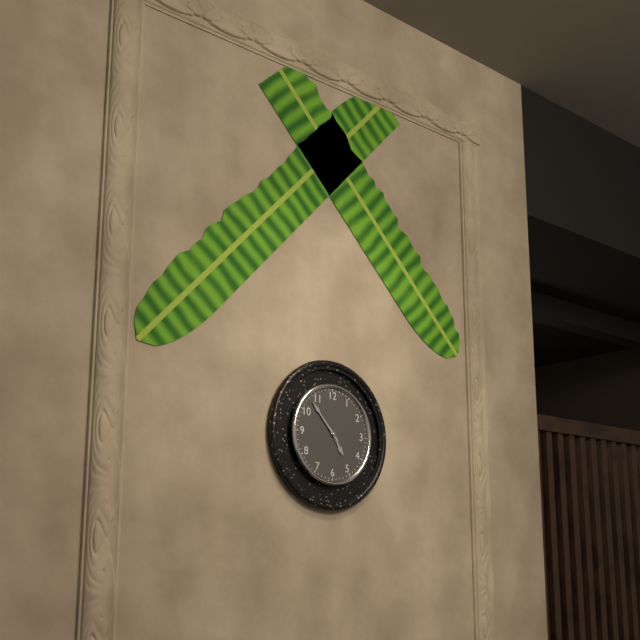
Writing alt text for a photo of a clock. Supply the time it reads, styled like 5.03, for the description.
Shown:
4.53
